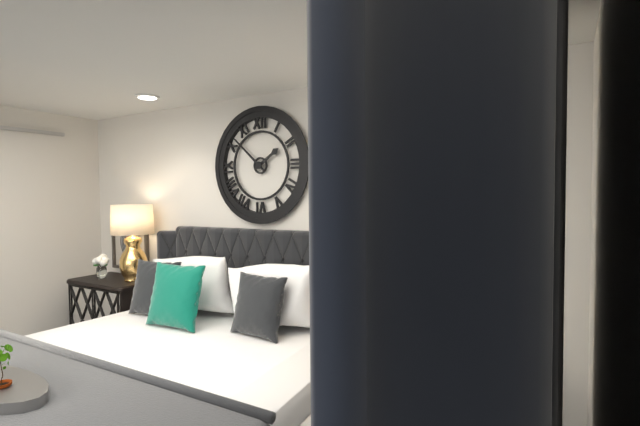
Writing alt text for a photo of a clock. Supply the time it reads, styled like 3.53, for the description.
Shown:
1.52
